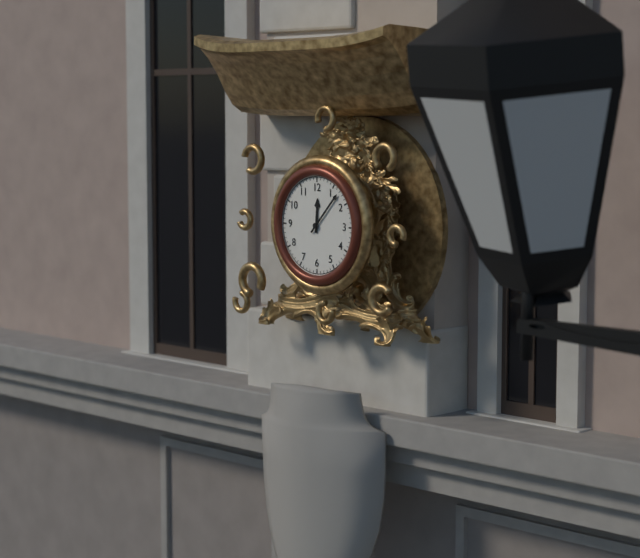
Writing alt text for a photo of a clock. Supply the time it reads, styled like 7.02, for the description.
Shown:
12.07
